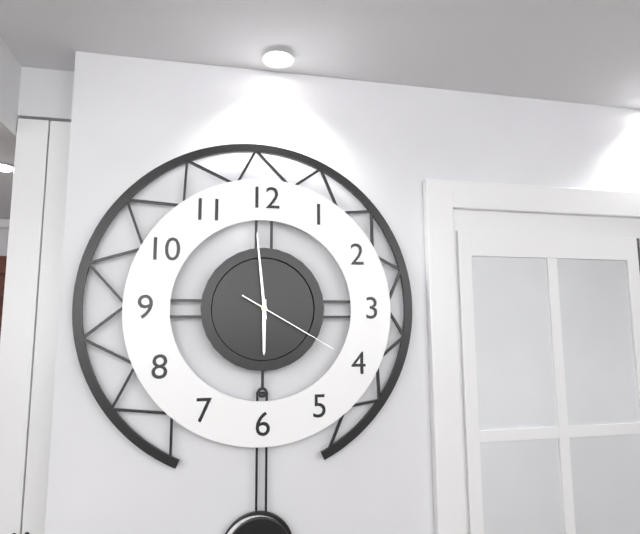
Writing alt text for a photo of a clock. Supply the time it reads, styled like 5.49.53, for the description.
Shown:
5.59.20
